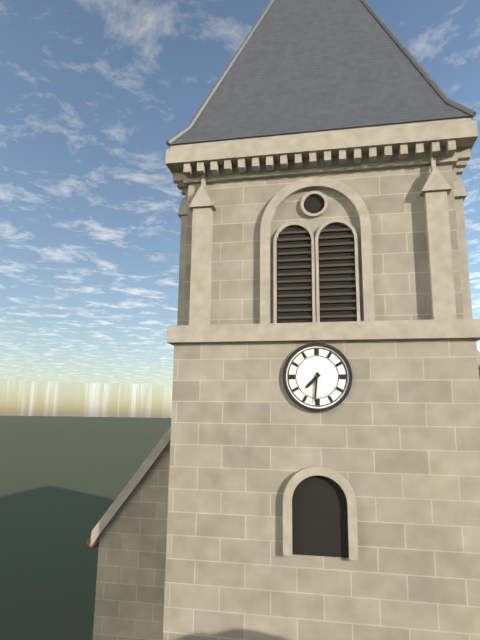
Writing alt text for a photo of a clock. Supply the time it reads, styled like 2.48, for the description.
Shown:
7.31
